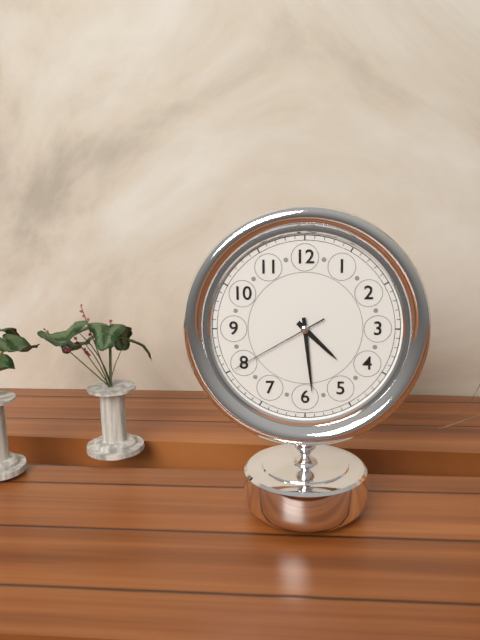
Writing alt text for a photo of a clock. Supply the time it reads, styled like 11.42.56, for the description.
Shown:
4.29.40
